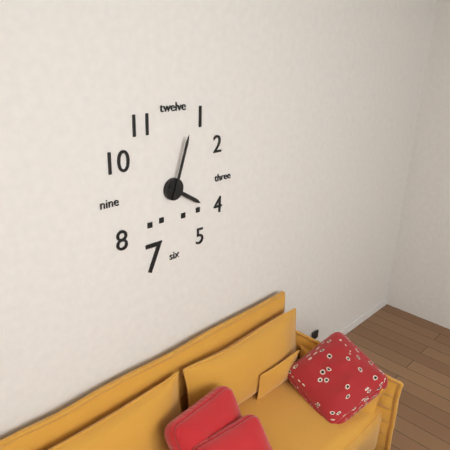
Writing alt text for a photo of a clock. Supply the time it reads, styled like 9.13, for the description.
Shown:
4.03
